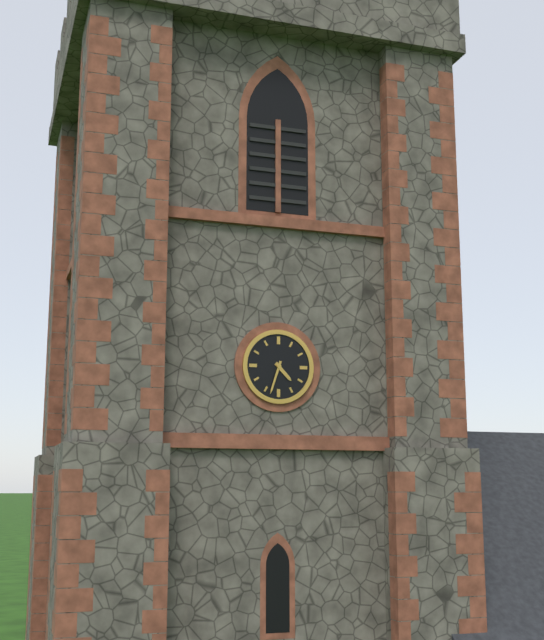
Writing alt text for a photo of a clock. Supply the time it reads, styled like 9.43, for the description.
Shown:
4.33
